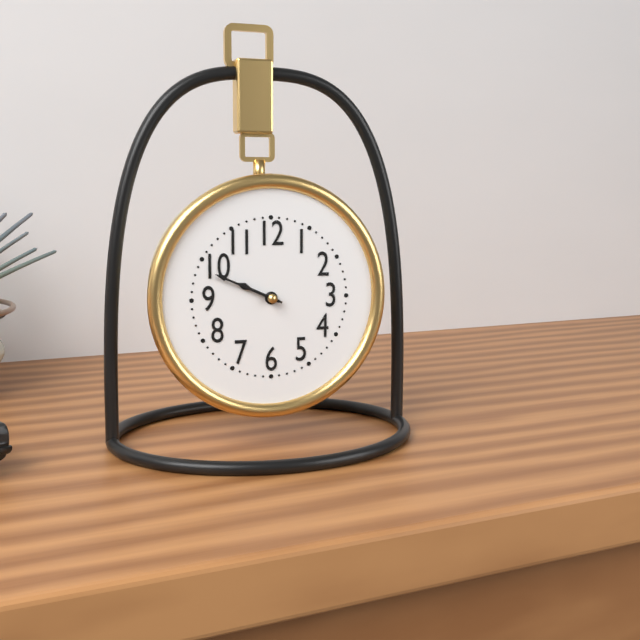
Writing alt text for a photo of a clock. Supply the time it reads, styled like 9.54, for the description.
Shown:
9.49
